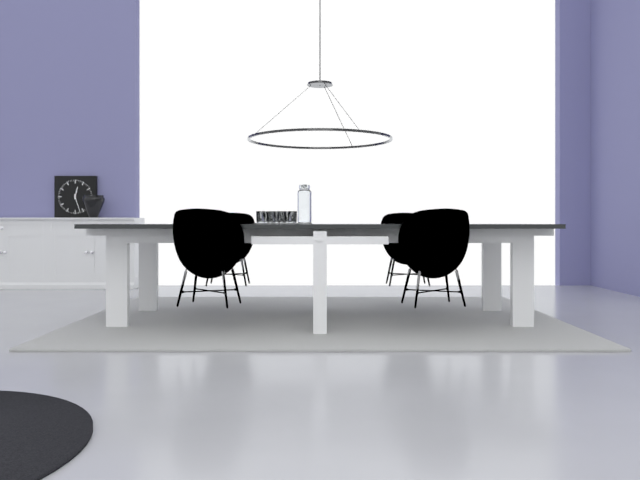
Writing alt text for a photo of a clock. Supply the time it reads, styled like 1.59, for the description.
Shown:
12.27
